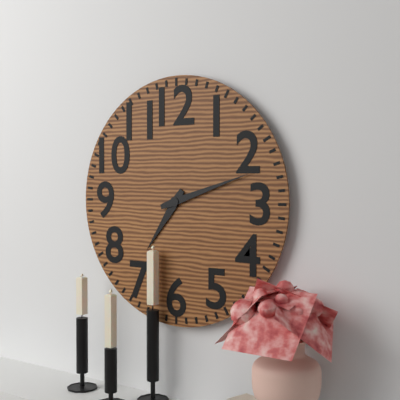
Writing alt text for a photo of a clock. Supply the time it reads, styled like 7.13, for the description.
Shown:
7.12
